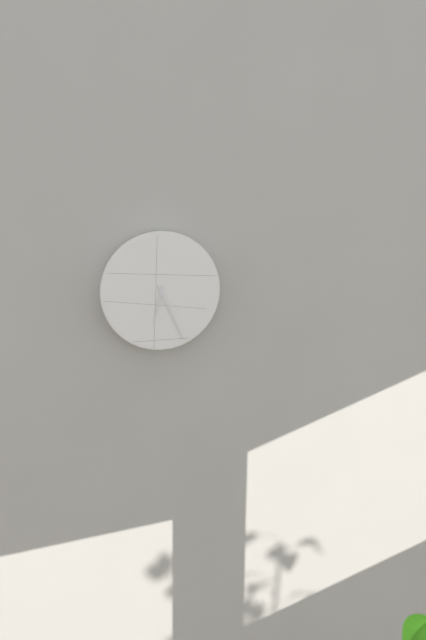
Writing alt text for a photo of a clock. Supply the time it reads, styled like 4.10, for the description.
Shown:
6.26
